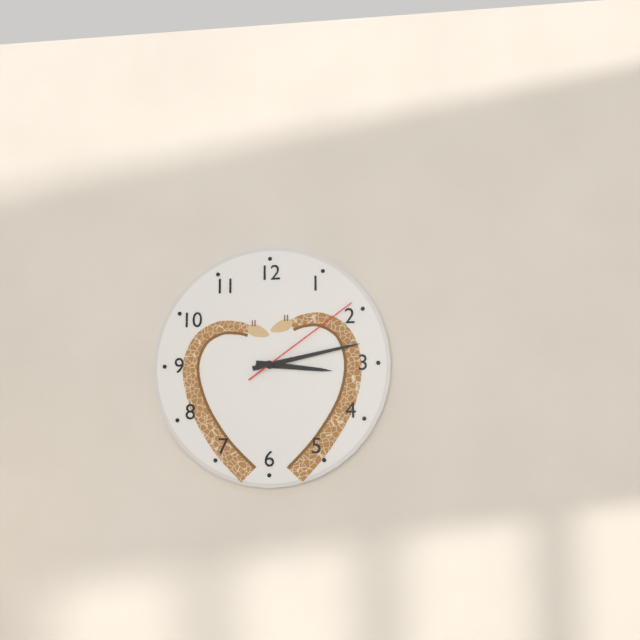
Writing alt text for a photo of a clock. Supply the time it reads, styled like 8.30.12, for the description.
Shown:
3.13.09
